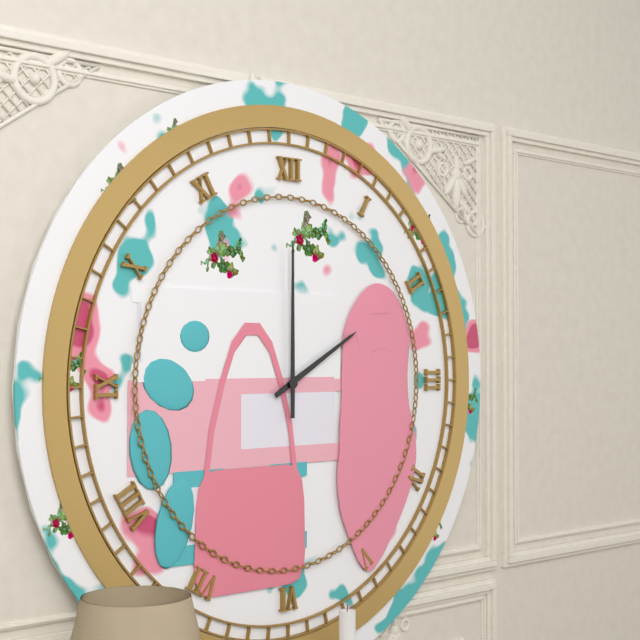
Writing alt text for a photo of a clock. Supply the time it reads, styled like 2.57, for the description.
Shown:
2.00
